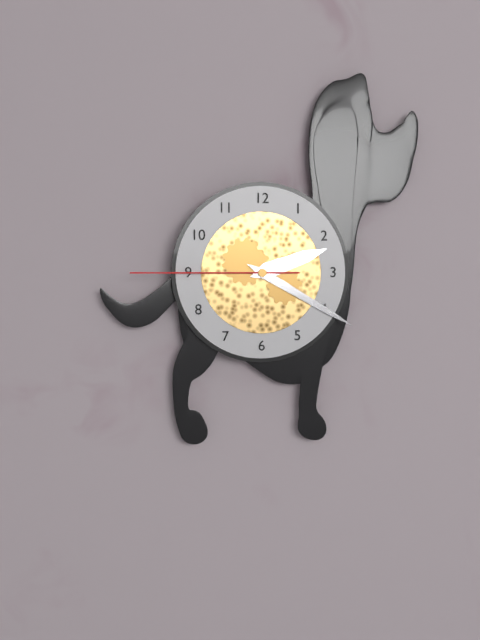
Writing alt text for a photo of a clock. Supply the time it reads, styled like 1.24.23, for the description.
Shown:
2.20.45
